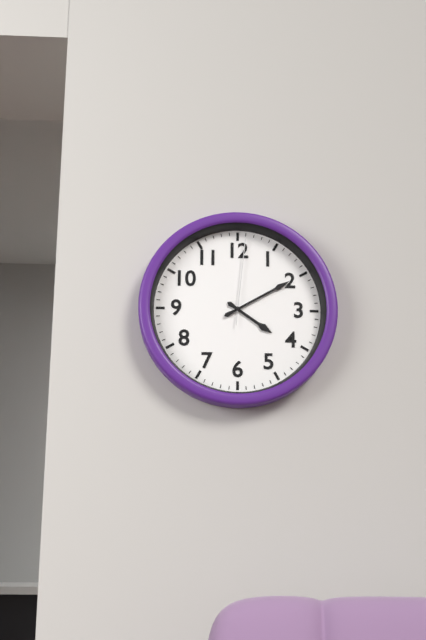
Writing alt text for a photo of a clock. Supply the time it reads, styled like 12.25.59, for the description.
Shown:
4.10.01
